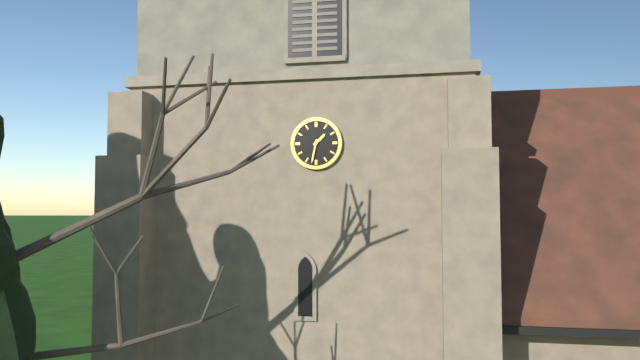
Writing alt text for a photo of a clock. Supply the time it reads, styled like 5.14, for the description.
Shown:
1.32
